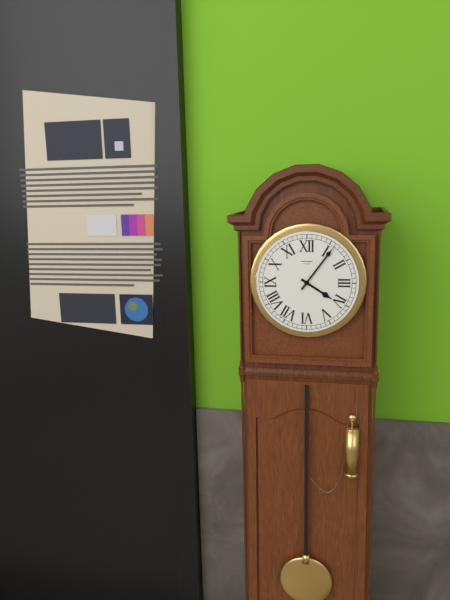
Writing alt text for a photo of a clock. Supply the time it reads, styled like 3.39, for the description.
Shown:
4.06
